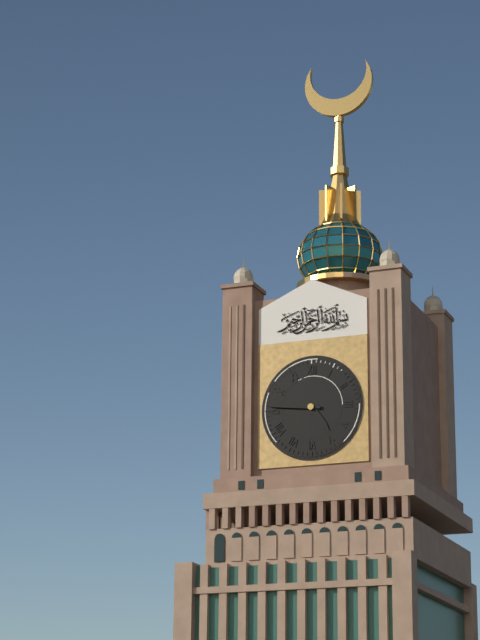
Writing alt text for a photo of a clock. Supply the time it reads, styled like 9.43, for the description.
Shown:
4.46
